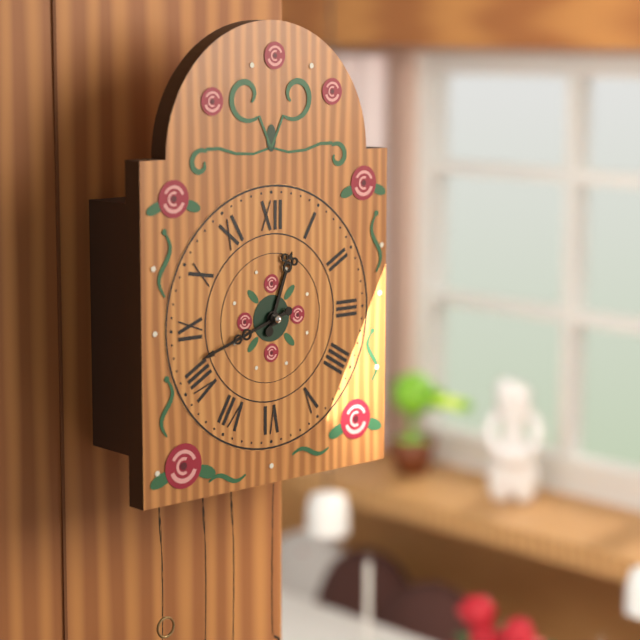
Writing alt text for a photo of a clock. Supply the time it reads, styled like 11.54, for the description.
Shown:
12.42
